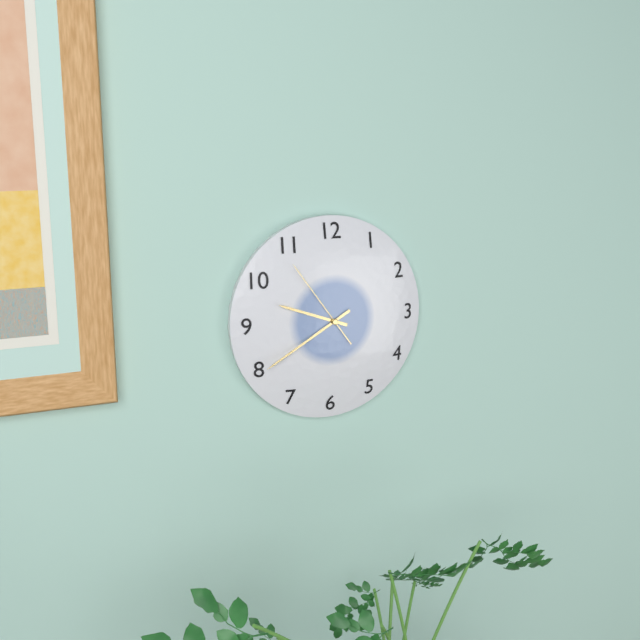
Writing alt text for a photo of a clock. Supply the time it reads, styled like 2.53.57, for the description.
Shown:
9.40.54
